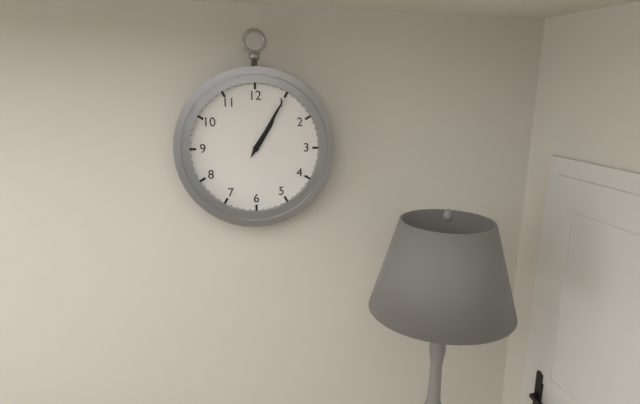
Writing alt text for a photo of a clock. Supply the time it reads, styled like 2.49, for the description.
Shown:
1.05
